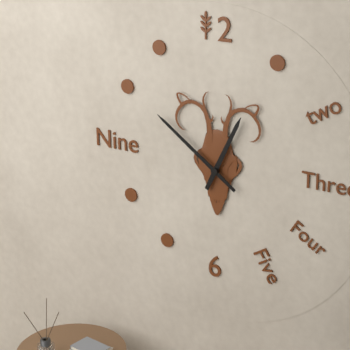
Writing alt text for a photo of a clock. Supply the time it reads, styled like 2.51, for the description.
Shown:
12.51
